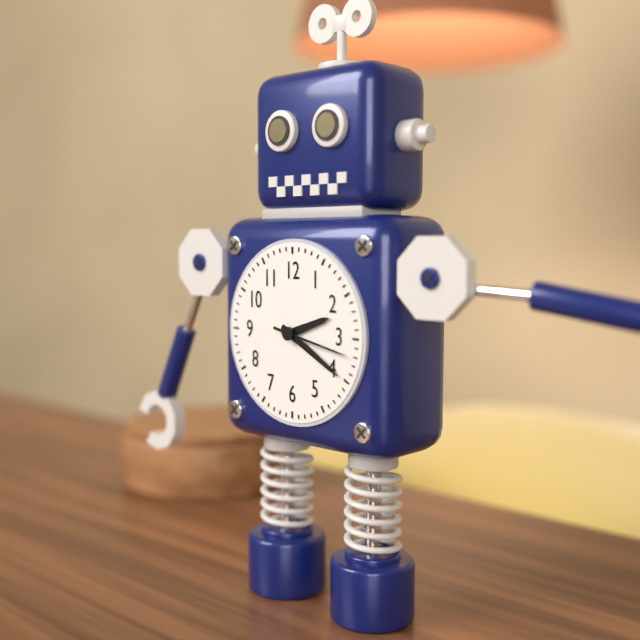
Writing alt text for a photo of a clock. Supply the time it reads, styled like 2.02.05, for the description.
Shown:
2.20.17
